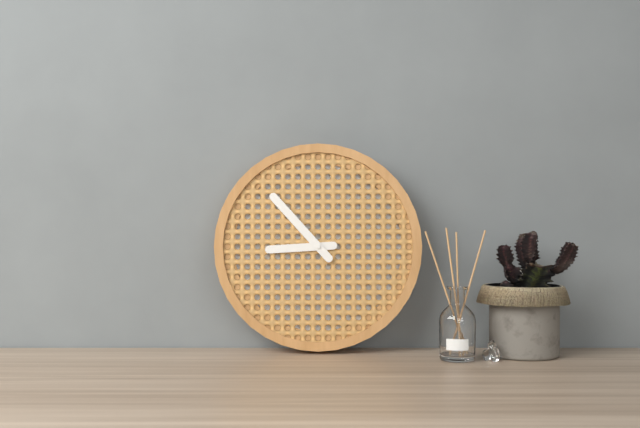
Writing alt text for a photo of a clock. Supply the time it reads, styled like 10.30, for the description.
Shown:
8.53
